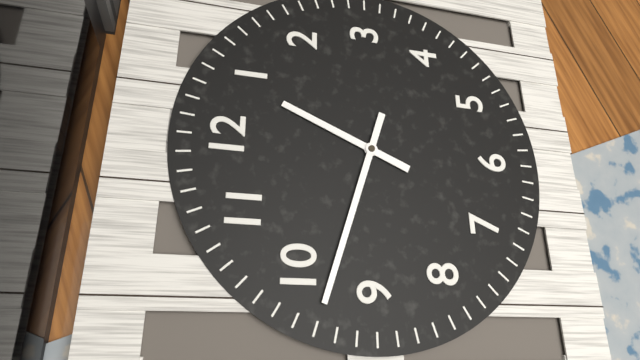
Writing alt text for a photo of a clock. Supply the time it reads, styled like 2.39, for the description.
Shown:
12.48
